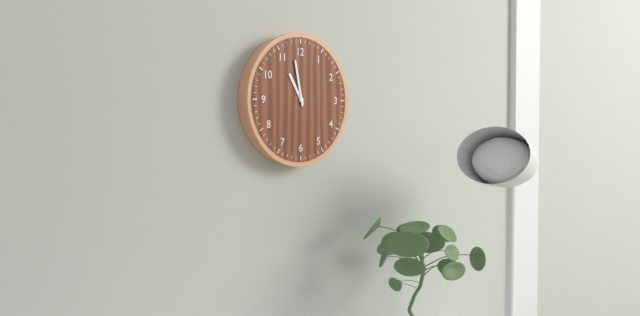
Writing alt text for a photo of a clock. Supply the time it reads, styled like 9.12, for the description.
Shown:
10.58
